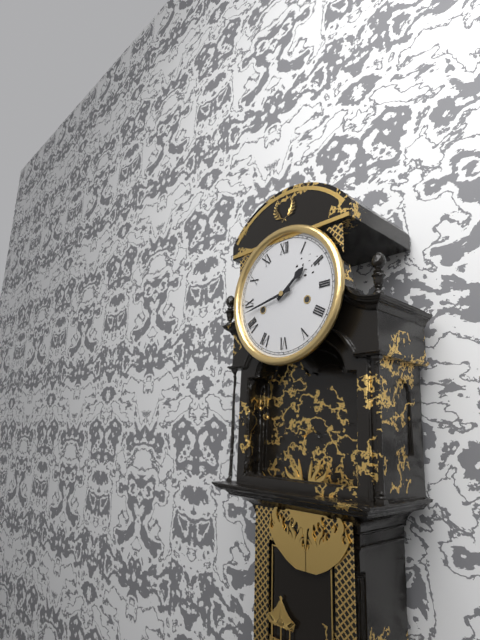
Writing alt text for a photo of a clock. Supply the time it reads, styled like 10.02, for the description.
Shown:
1.43
